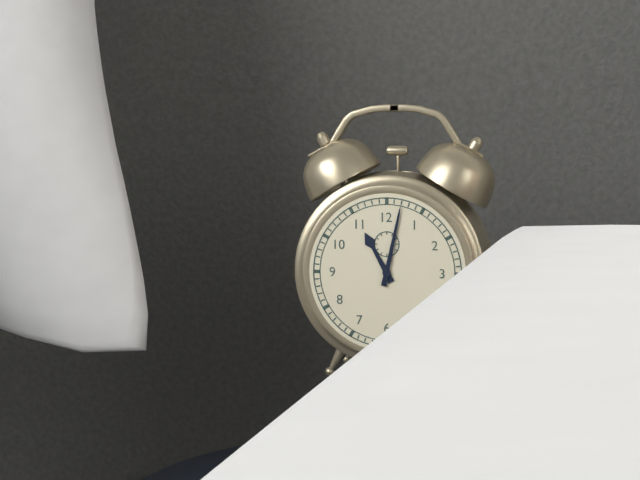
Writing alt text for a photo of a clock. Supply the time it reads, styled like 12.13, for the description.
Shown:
11.02
